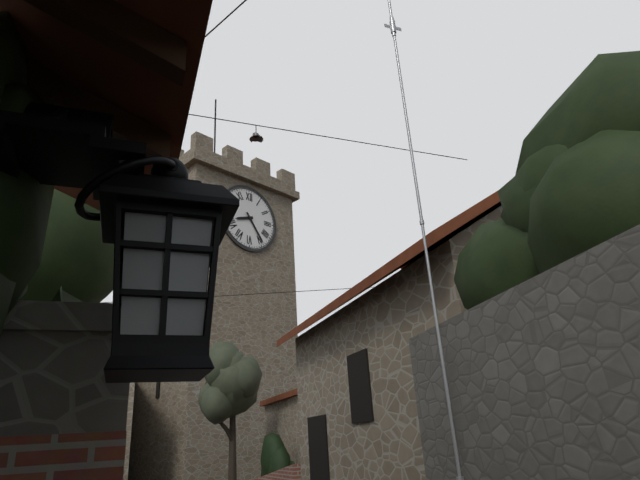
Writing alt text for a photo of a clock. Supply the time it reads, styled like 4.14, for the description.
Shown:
8.24
